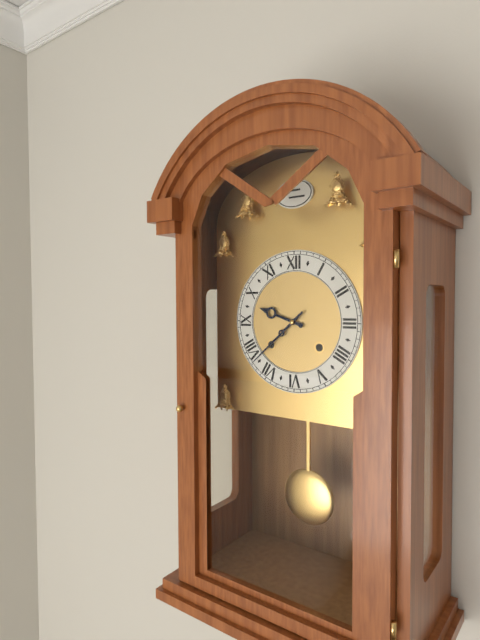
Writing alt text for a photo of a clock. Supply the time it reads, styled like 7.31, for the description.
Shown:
9.38
